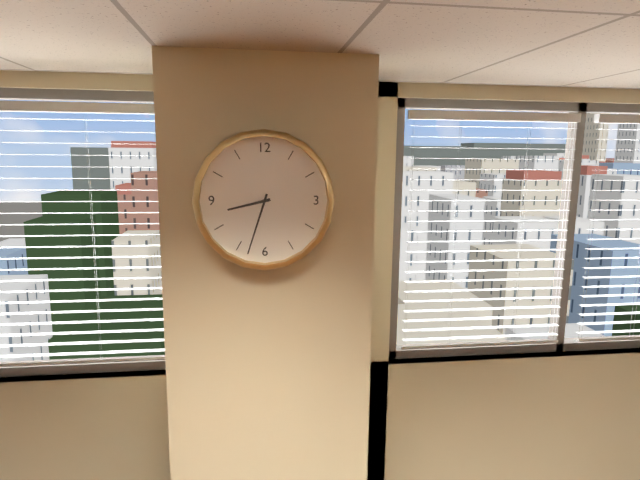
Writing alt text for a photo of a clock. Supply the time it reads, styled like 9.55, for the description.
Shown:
8.33
